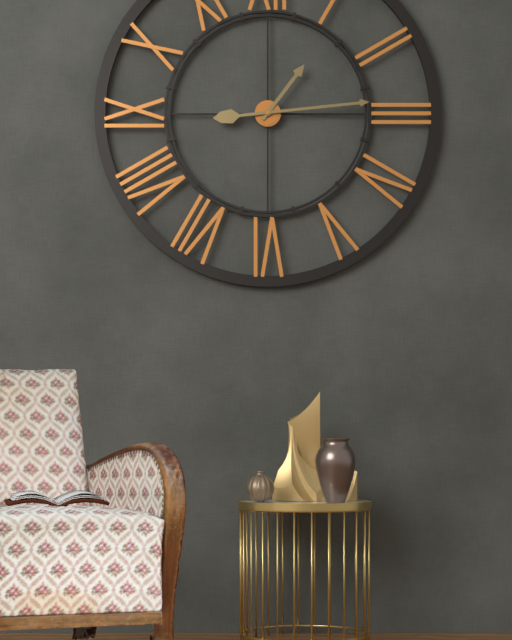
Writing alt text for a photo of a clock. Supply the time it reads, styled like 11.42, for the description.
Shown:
1.14
